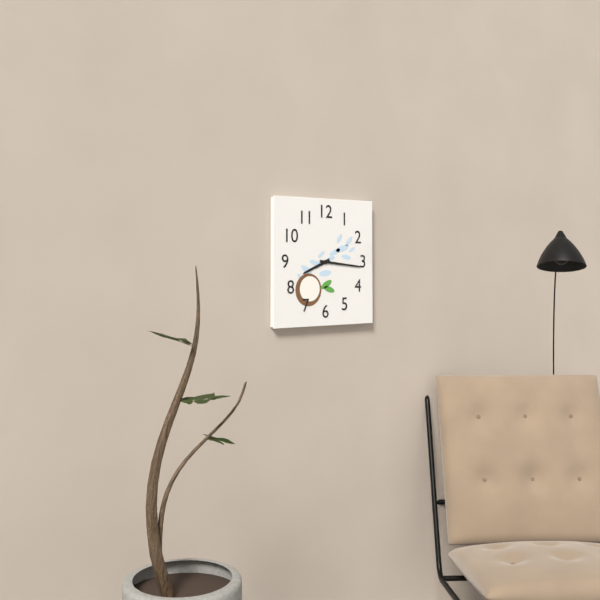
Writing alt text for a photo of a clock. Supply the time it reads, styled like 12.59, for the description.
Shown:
8.16
